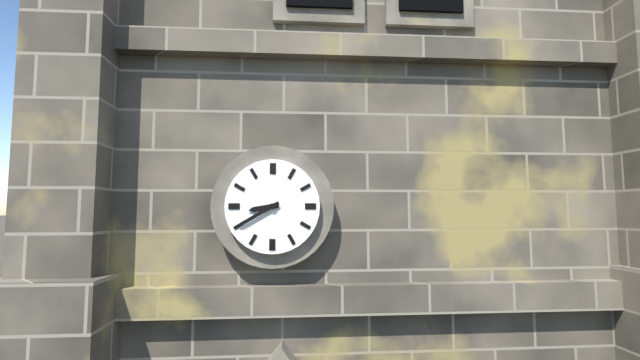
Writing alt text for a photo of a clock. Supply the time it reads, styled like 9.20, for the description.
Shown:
8.40
